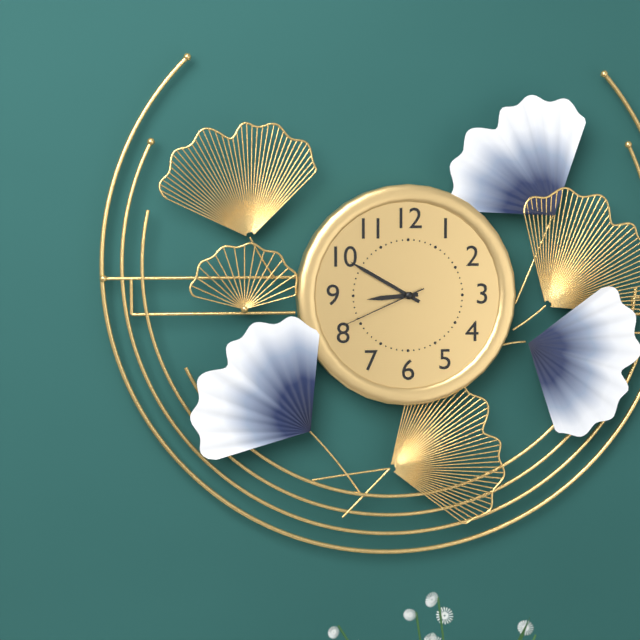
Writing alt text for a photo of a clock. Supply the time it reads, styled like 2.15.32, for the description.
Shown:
8.50.41
